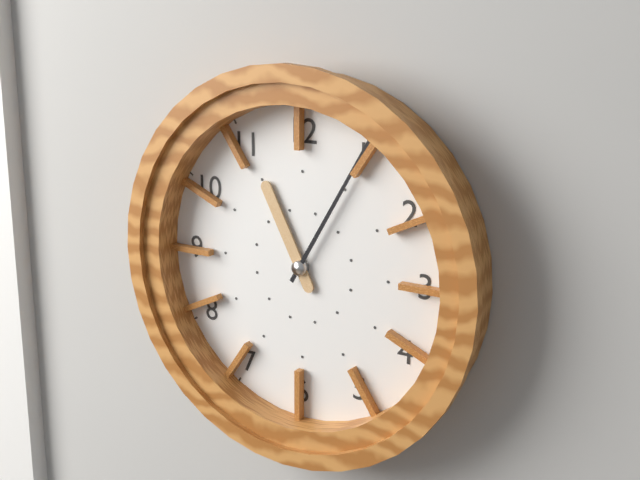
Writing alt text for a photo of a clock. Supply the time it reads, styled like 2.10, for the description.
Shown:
11.05
